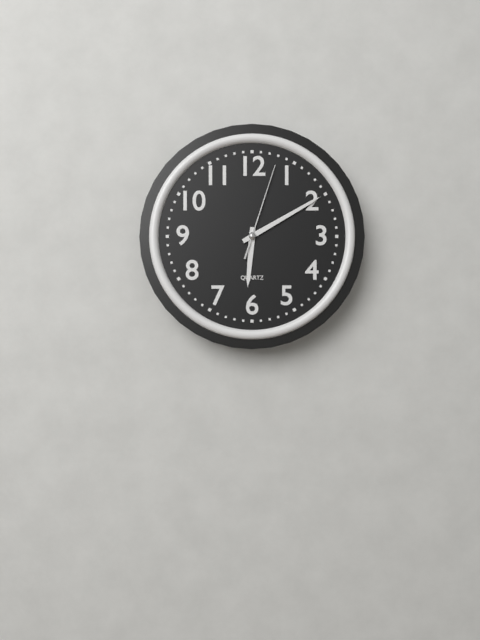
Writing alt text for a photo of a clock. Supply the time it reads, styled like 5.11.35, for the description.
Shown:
6.10.03
